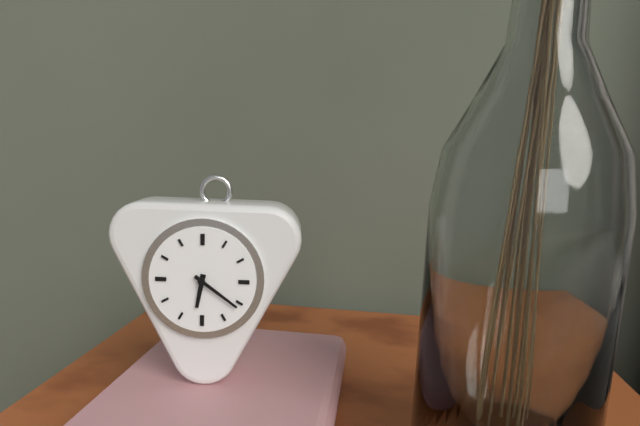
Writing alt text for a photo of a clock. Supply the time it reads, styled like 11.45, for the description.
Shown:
6.21
